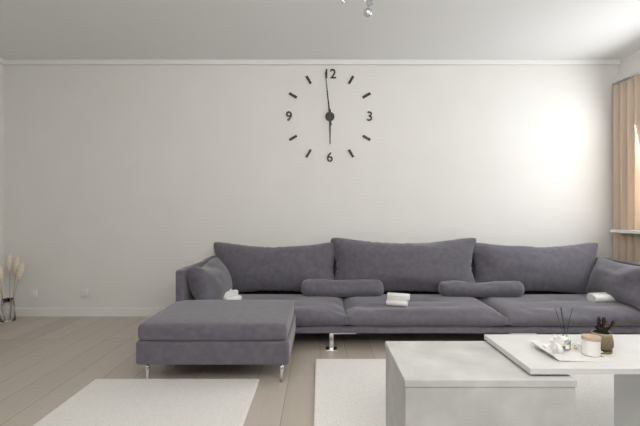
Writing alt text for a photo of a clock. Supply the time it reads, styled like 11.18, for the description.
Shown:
5.59
